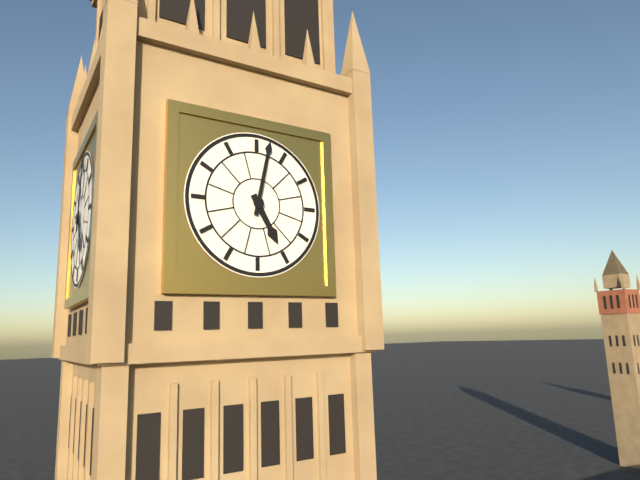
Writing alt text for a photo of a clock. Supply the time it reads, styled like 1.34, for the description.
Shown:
5.02
